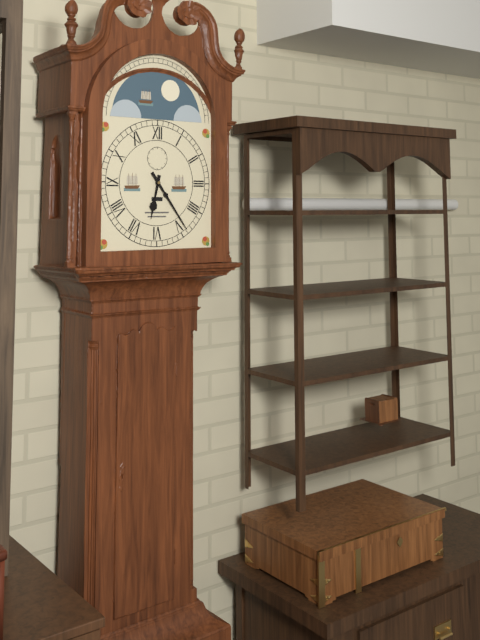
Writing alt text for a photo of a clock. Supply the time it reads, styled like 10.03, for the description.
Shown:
6.24
